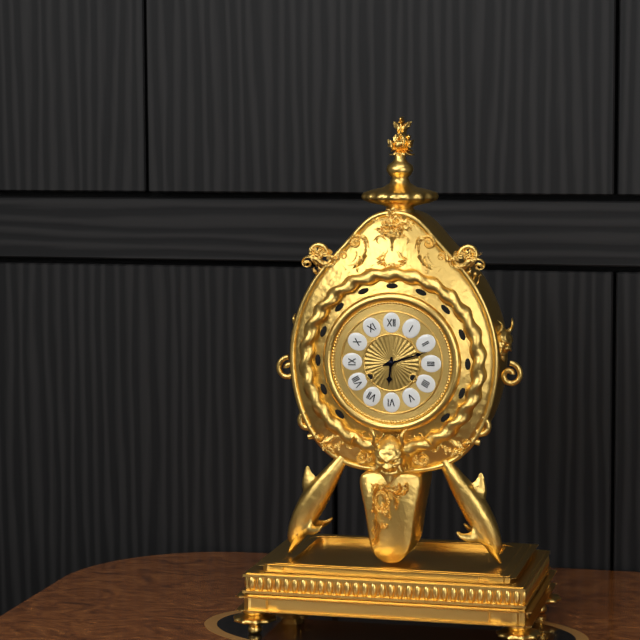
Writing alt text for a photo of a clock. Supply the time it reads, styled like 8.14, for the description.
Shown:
6.12
